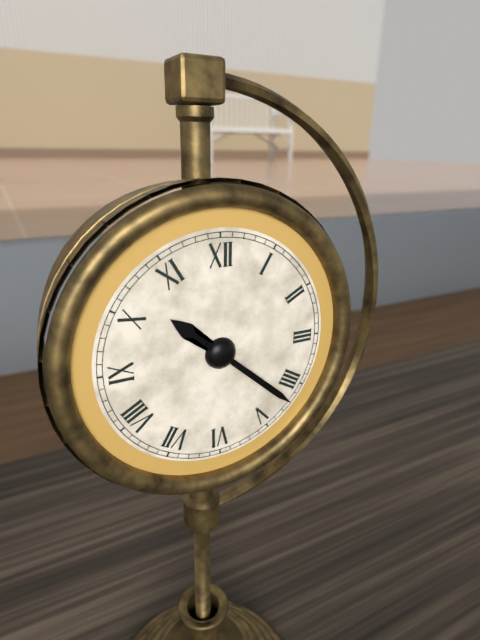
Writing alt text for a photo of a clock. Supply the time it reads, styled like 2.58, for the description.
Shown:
10.22
